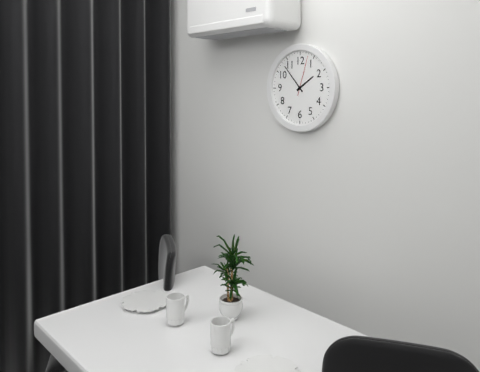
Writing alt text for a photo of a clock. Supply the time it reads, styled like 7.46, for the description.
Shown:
1.53
